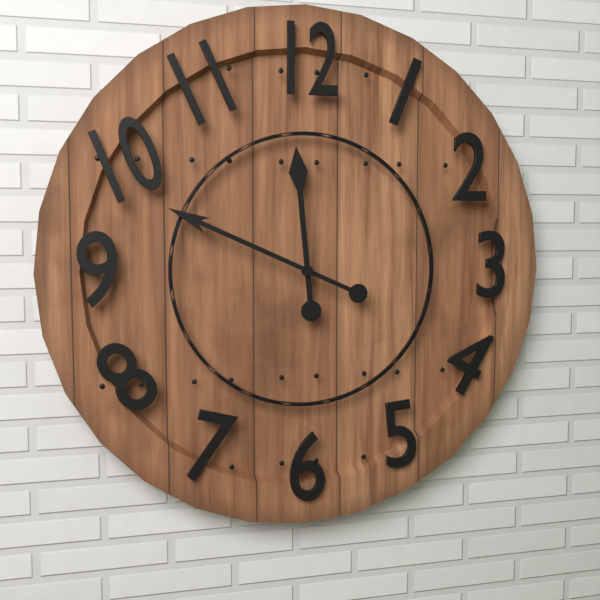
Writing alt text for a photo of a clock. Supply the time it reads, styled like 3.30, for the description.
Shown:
11.49
